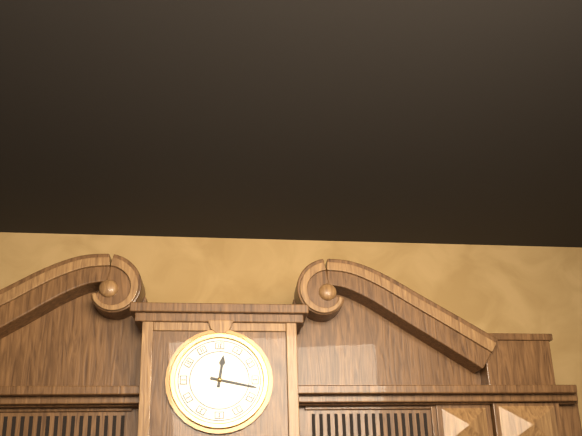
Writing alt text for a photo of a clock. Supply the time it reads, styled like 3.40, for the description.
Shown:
12.17
